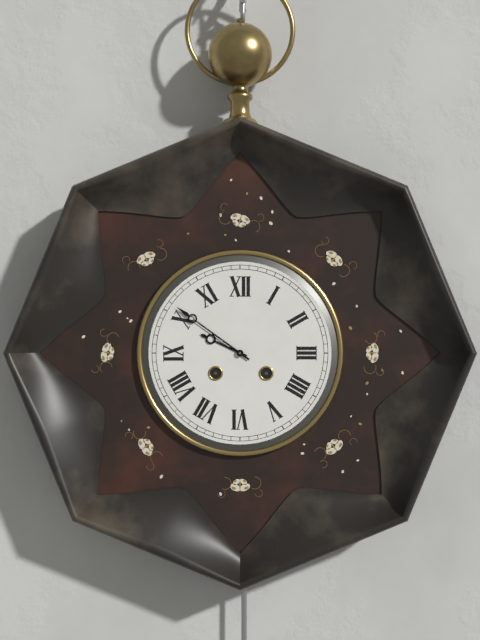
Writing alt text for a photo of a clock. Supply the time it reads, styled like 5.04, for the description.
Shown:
9.51
